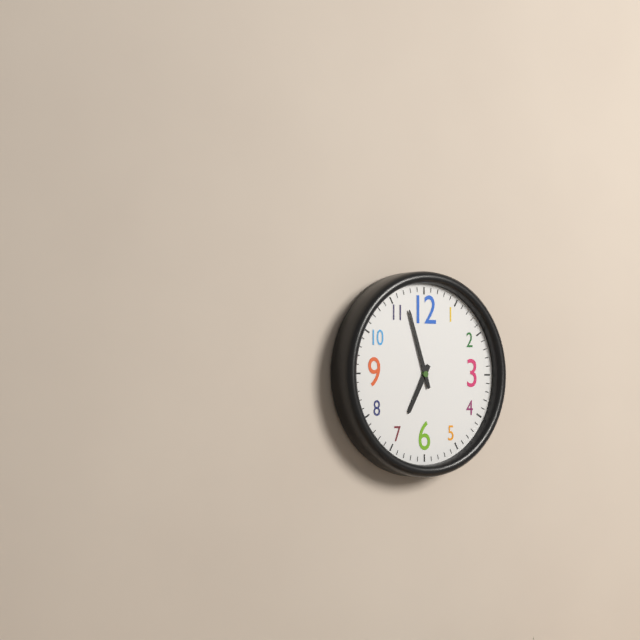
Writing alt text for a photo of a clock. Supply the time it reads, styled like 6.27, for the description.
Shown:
6.57
